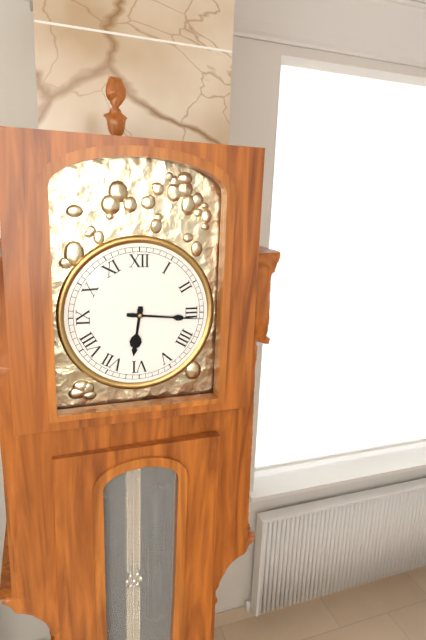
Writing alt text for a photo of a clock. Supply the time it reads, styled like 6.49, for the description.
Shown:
6.16
